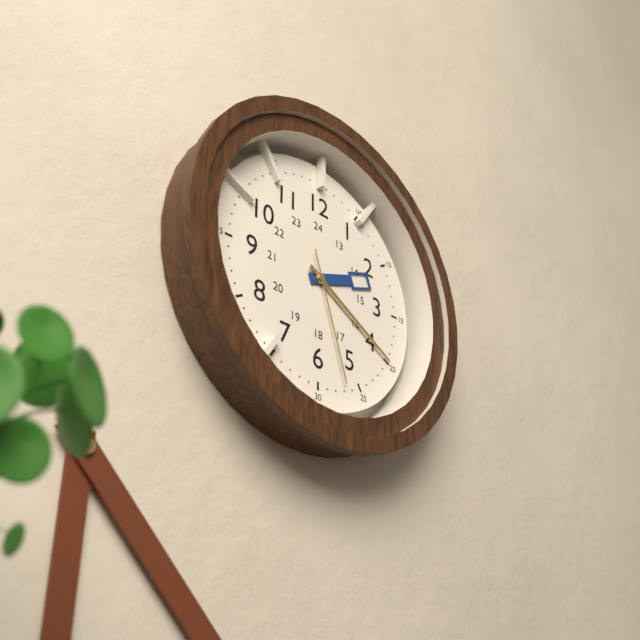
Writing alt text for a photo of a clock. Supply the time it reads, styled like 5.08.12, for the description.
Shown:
2.20.27
